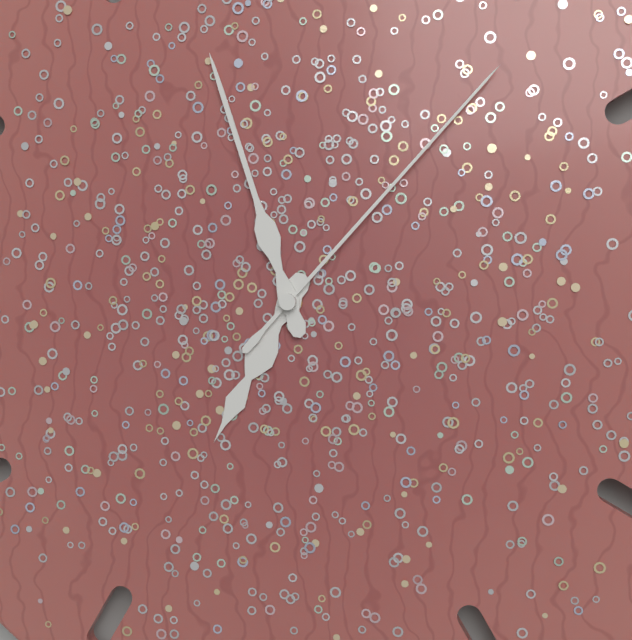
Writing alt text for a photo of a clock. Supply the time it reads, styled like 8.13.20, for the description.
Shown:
6.57.07
